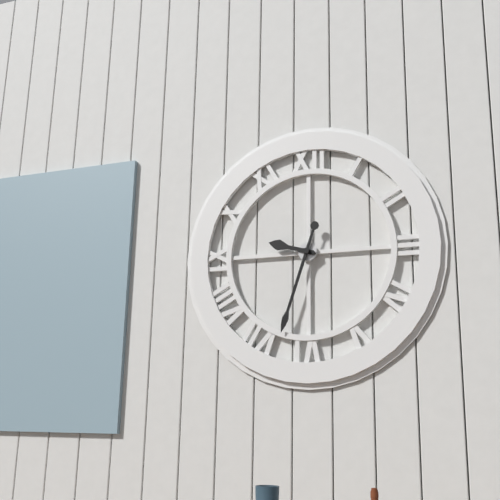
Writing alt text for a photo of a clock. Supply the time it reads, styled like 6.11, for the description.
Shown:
9.33
